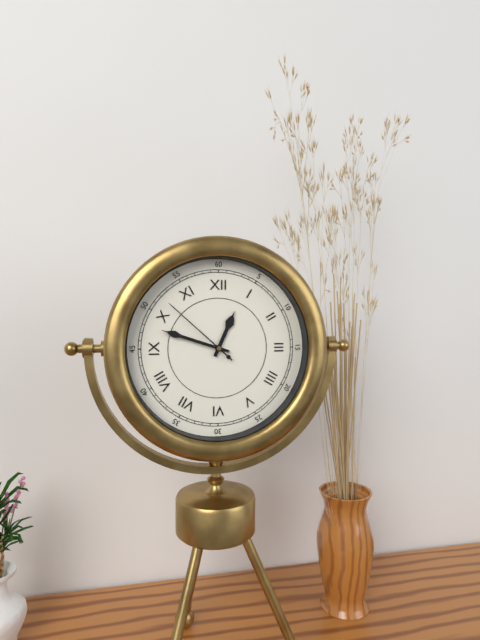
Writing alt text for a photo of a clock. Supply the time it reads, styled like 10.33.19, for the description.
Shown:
12.48.52
